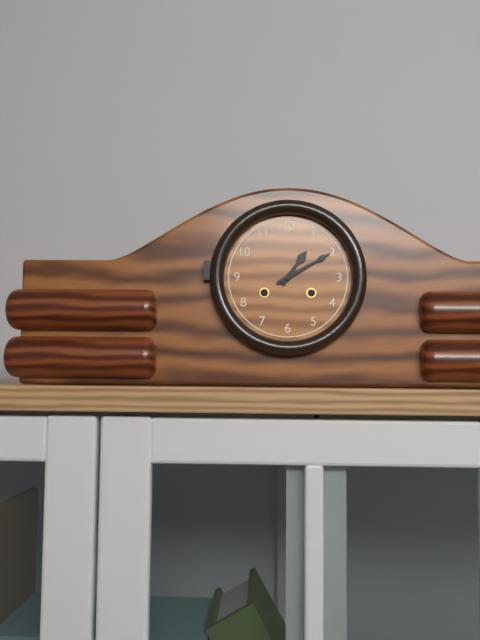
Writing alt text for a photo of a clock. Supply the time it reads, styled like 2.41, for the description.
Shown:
1.10
